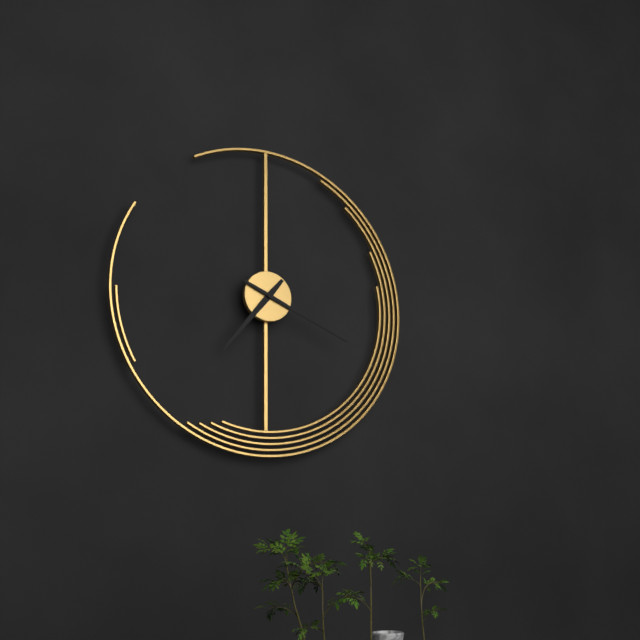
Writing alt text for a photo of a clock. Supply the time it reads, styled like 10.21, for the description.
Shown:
7.19
